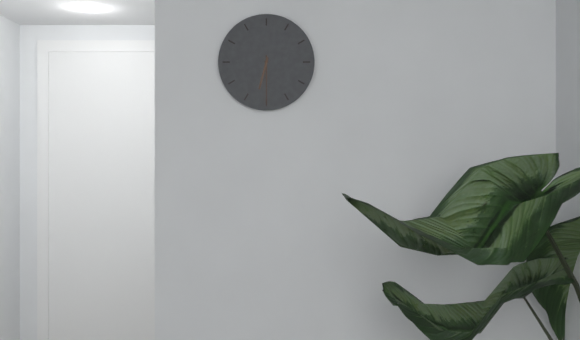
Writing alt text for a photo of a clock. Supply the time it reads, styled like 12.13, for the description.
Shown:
6.30
